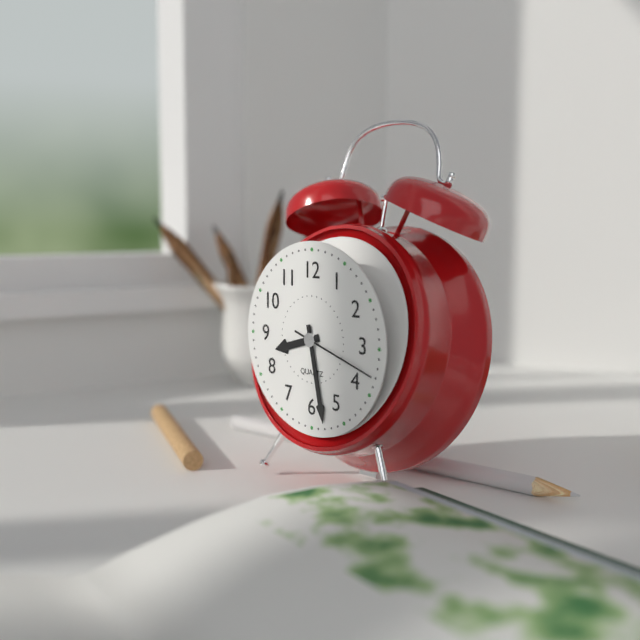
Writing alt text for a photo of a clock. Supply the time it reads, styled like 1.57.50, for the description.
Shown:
8.28.18
